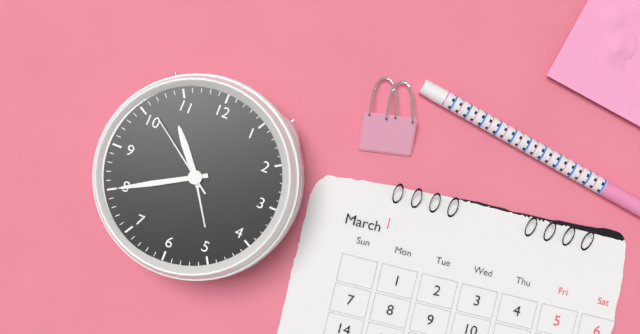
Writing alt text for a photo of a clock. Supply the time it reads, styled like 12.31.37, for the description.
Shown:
10.40.51
